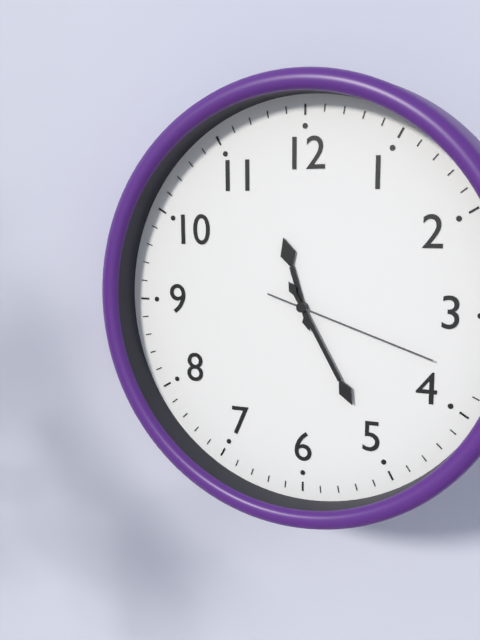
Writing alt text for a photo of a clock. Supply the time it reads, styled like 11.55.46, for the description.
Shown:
11.25.18
